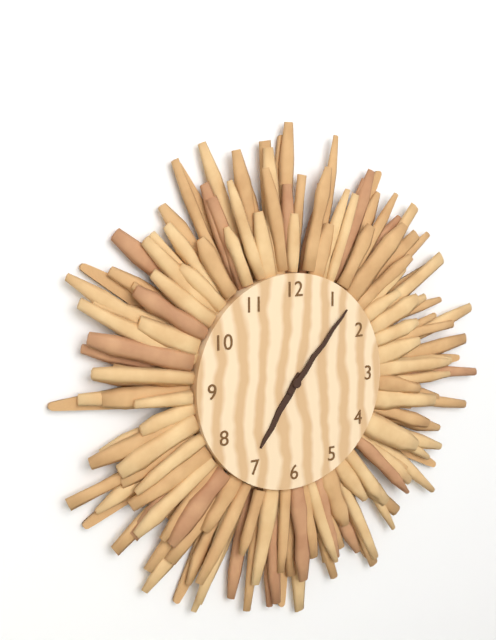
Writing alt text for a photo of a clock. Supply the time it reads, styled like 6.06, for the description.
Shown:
7.07
